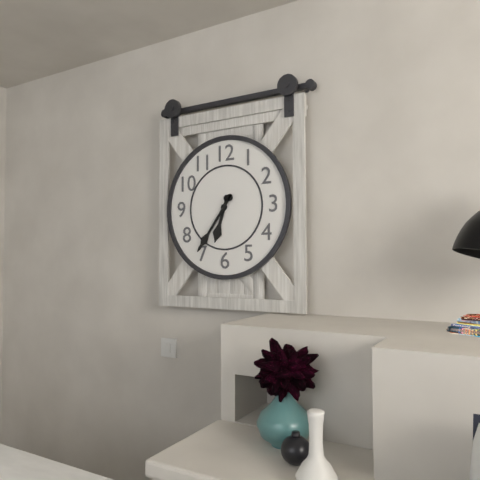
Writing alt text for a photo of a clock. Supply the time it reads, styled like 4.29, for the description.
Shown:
6.36
